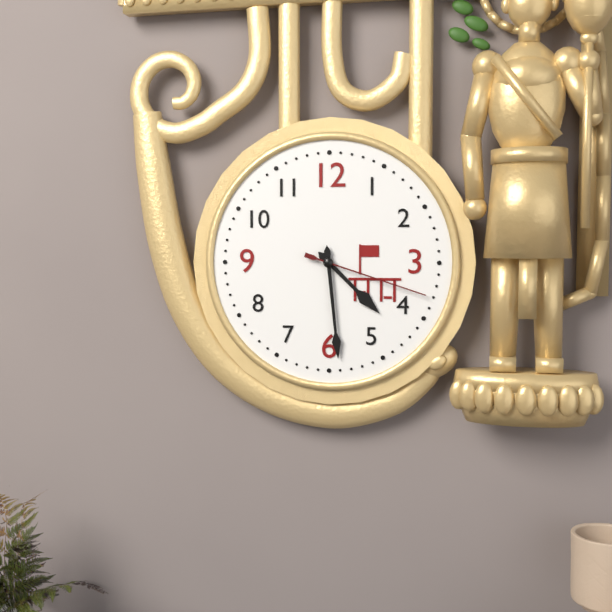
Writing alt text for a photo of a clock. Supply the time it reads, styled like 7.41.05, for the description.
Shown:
4.29.18
